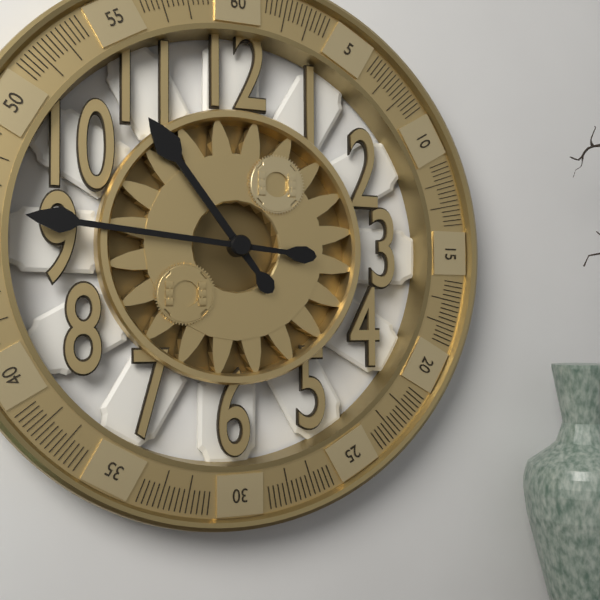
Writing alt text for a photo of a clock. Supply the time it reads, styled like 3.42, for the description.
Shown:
10.46
